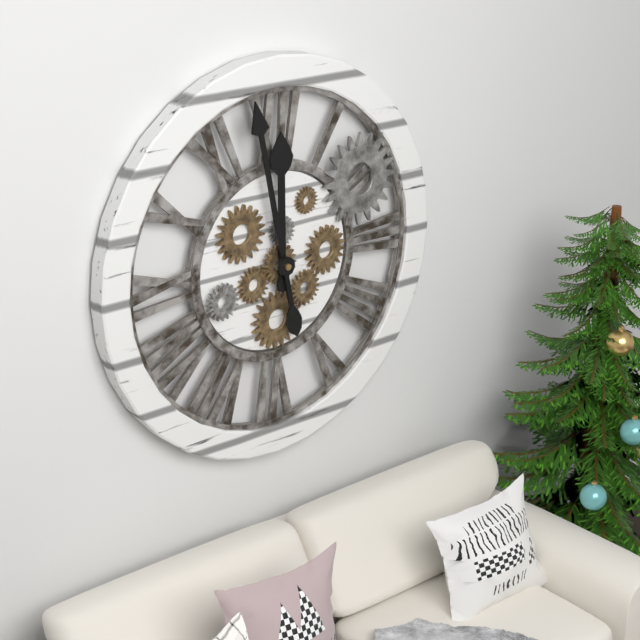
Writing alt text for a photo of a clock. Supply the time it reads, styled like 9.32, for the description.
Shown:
11.58
